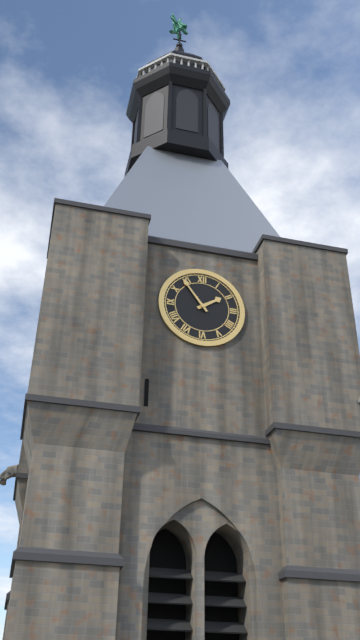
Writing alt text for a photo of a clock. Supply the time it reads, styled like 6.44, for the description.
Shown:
1.54
